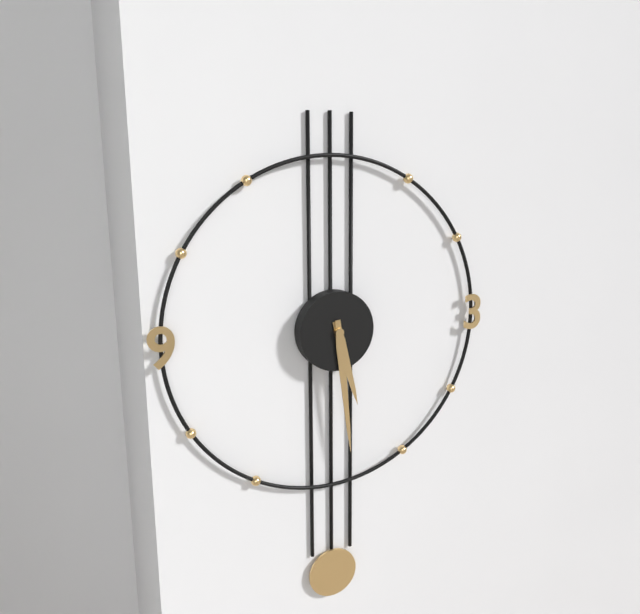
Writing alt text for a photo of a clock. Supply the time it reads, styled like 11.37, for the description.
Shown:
5.29
